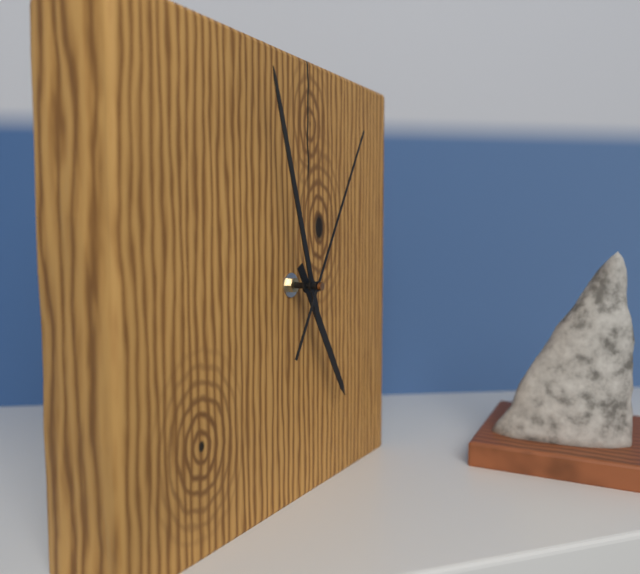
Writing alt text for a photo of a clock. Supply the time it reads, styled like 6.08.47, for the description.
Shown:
4.57.05
